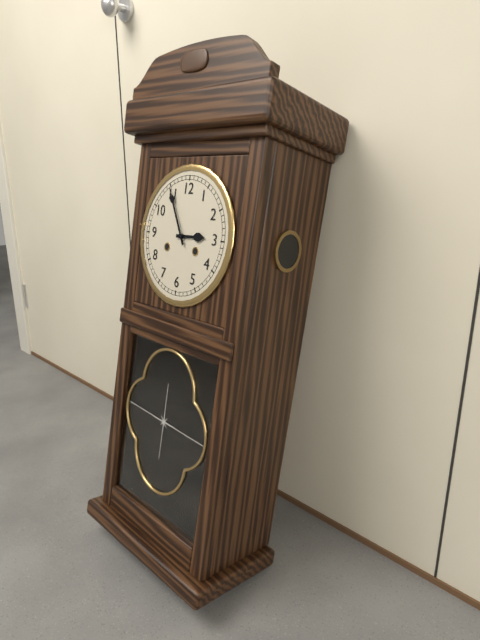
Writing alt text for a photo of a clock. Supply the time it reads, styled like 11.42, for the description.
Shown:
2.55
